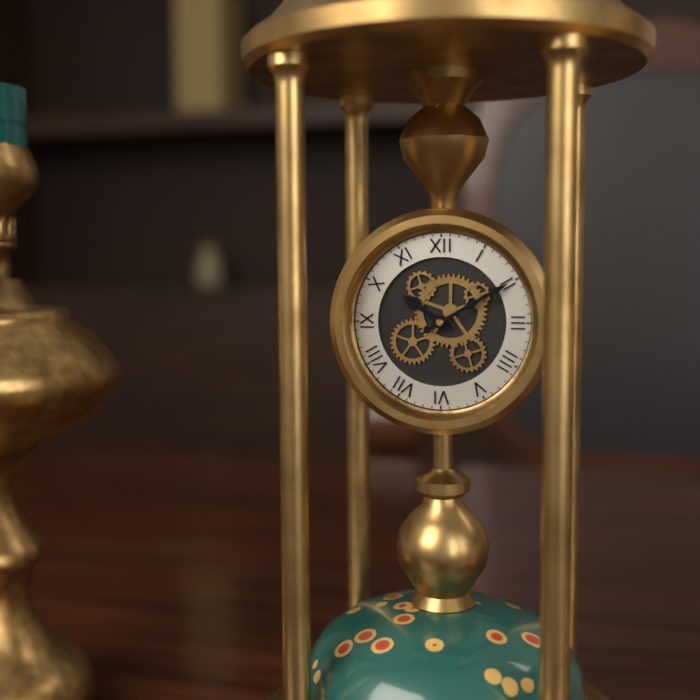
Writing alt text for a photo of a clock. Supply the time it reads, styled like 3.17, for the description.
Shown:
10.10
